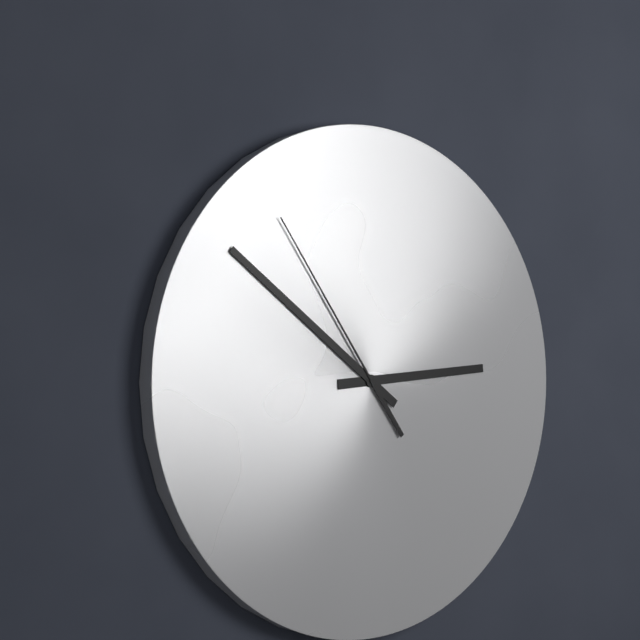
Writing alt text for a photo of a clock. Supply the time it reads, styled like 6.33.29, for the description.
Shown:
2.51.54
